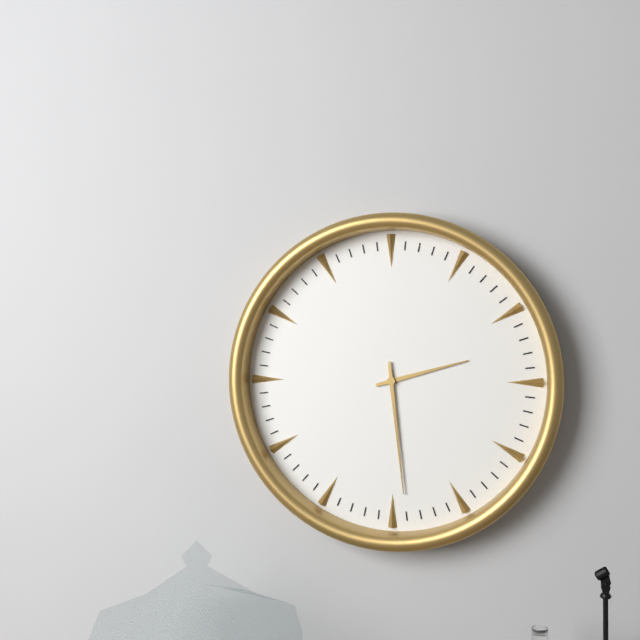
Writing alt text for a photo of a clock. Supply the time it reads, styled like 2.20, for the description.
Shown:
2.29
